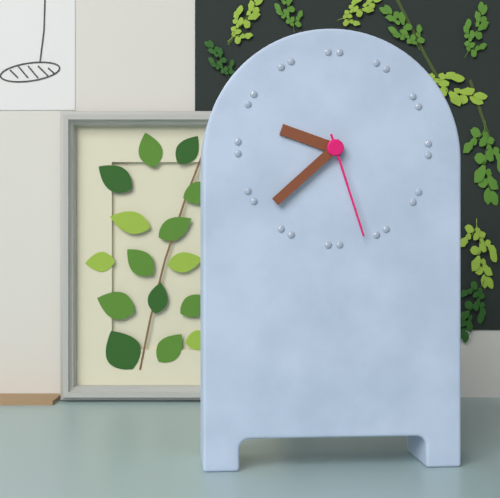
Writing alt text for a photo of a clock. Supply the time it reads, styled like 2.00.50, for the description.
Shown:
9.38.27
